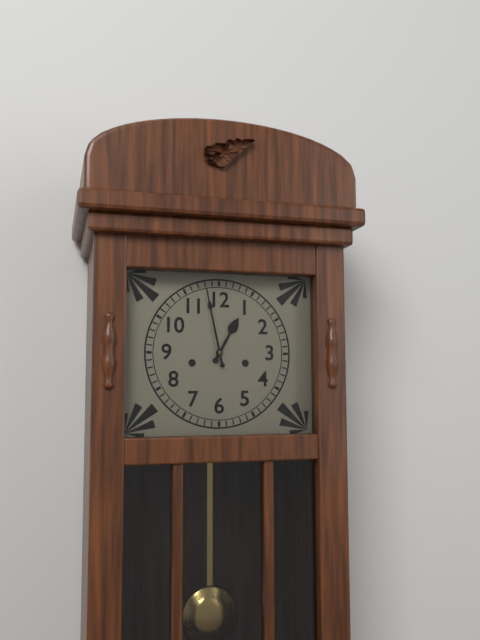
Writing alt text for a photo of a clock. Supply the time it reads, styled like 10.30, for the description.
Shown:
12.58
